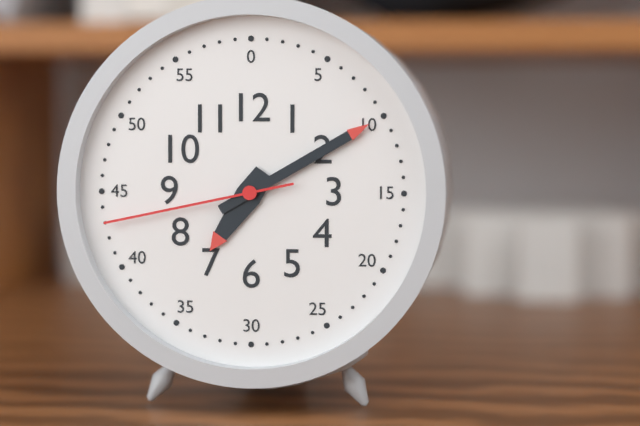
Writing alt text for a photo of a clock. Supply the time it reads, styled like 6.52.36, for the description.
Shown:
7.10.43
